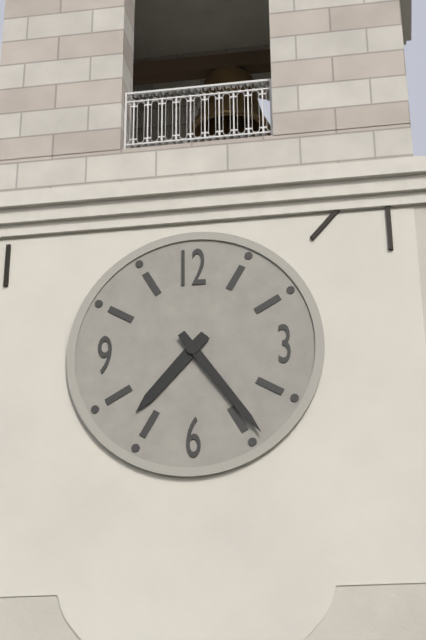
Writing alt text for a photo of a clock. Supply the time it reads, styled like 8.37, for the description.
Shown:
7.24
